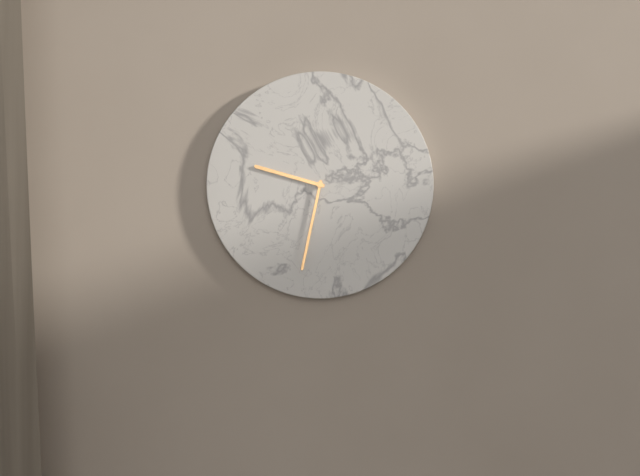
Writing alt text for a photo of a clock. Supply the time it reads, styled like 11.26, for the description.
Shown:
9.32
